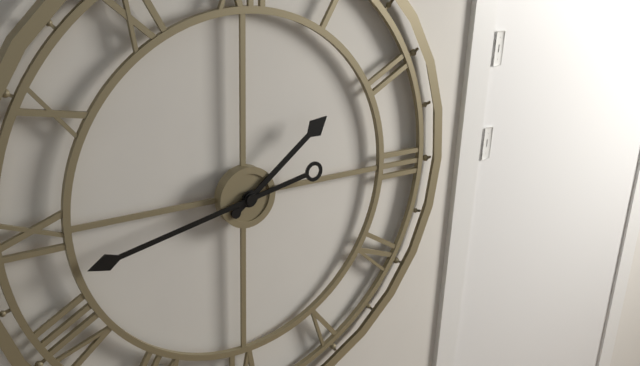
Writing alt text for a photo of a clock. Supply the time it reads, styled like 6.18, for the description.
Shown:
1.43
